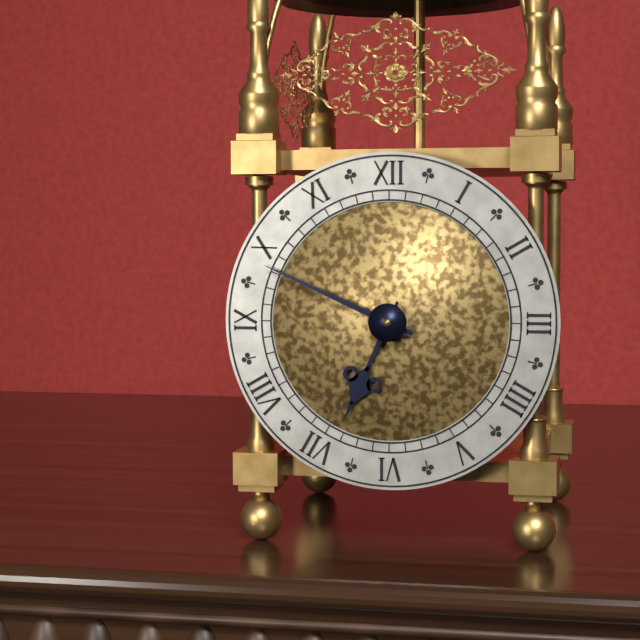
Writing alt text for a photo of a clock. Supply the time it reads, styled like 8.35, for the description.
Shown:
6.49
